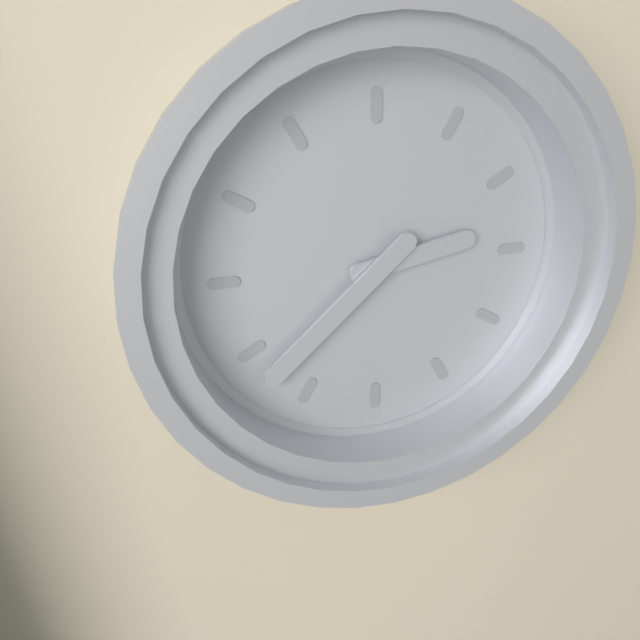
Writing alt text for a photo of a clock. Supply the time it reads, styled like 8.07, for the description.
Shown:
2.38
